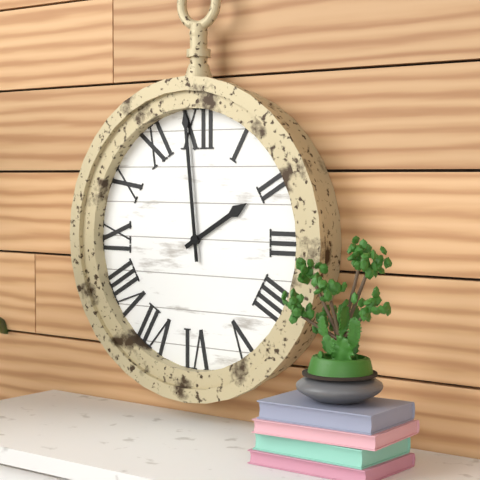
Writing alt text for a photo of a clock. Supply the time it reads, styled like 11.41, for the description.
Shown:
1.59
